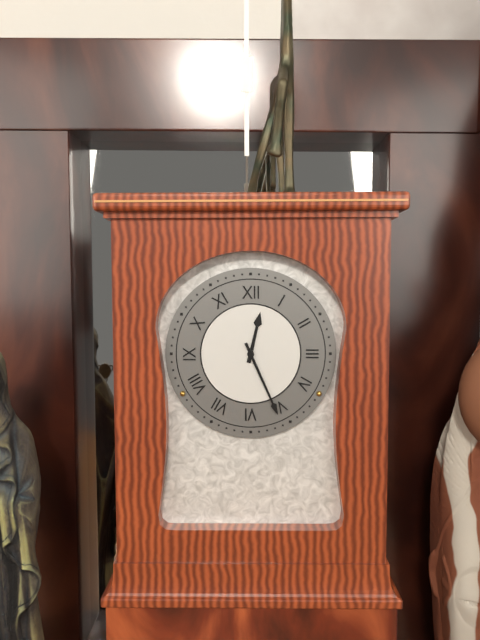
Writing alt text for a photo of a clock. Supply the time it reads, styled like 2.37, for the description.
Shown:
12.26
